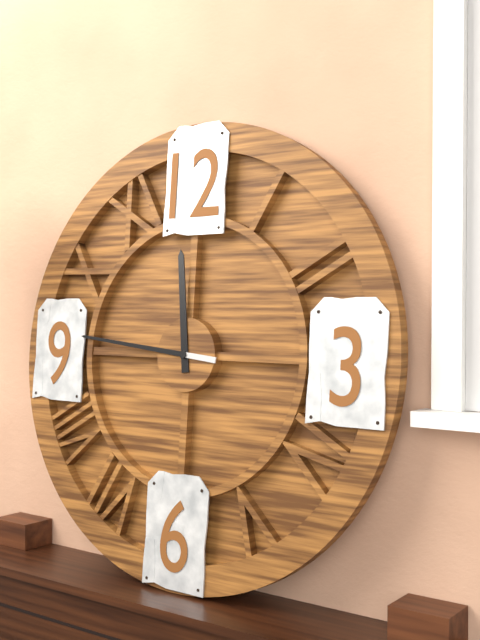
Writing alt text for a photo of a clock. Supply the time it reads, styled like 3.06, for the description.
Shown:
11.46
